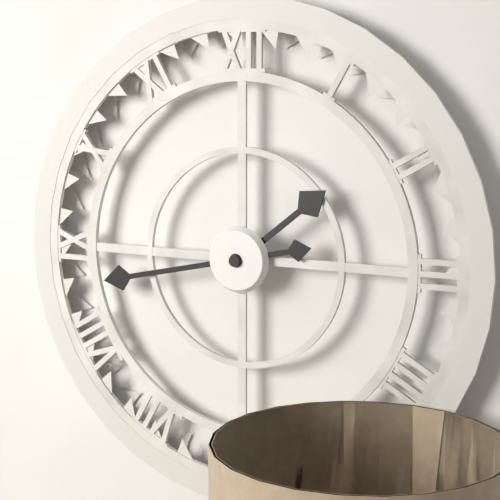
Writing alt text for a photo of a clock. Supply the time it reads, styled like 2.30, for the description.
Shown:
1.43
